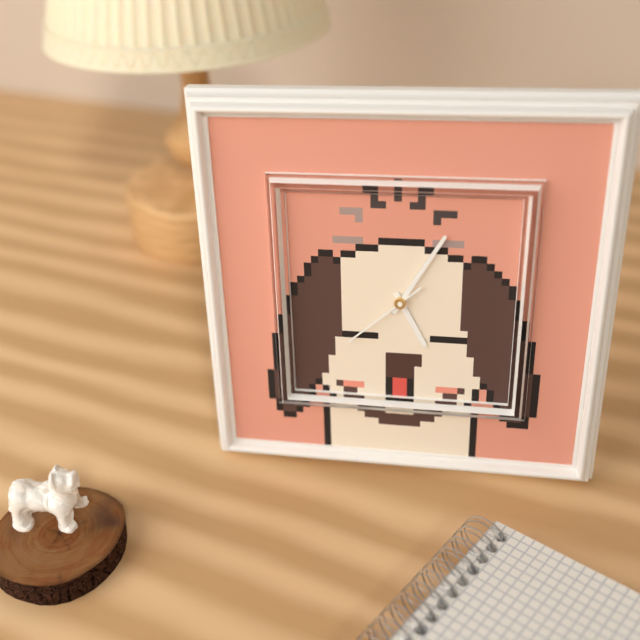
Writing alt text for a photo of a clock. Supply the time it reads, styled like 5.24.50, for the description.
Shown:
5.05.38
